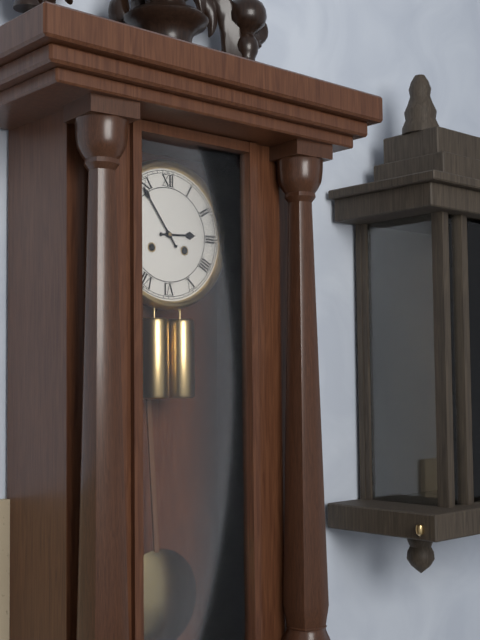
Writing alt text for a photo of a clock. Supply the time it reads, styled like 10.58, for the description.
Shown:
2.54
